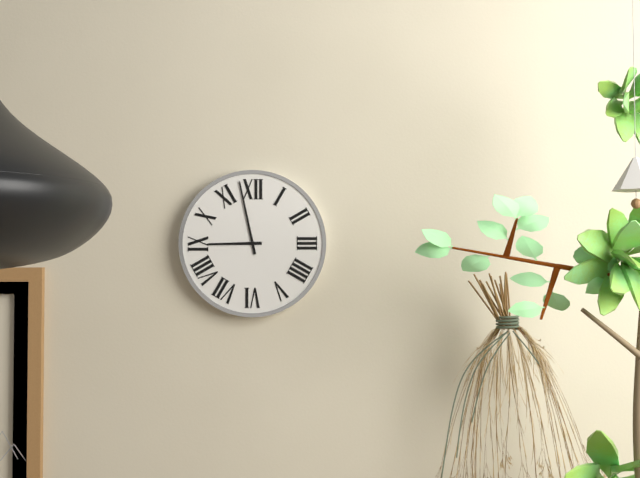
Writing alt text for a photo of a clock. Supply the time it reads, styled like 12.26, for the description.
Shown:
8.58
